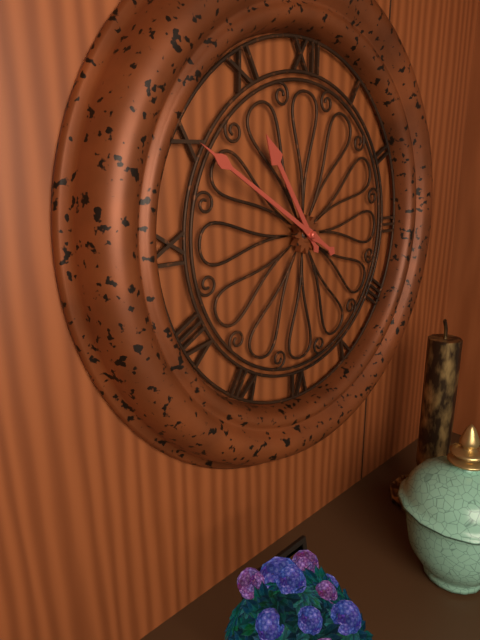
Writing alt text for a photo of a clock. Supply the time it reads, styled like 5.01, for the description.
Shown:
10.50
